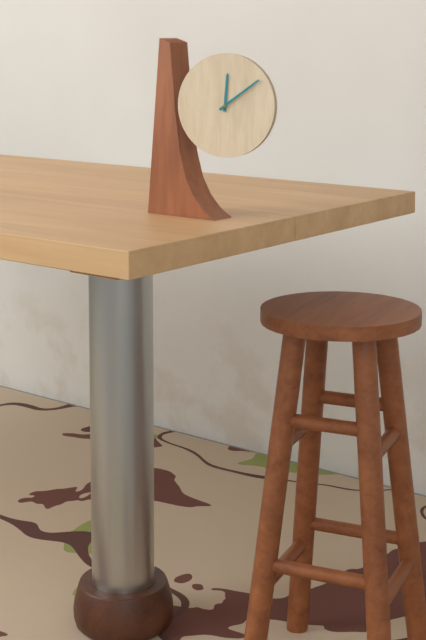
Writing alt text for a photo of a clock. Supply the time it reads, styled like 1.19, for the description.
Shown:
12.09
